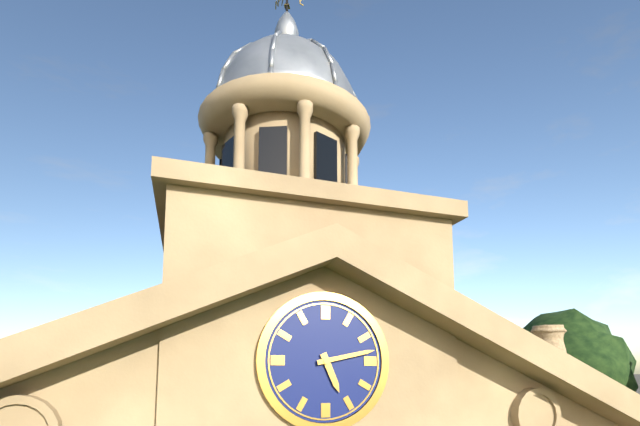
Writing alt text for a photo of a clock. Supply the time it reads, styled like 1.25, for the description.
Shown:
5.13
